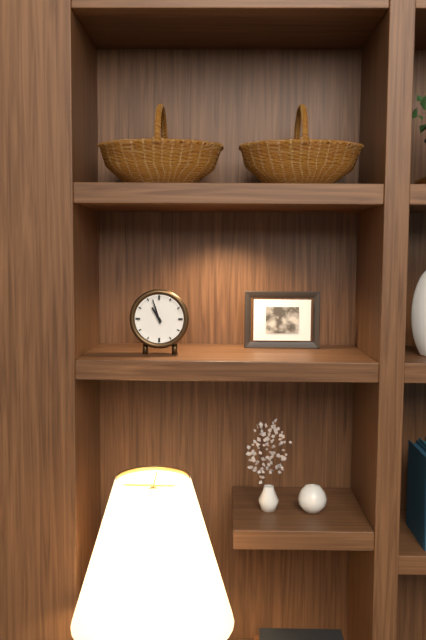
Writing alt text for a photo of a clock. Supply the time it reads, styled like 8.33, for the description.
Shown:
10.57
